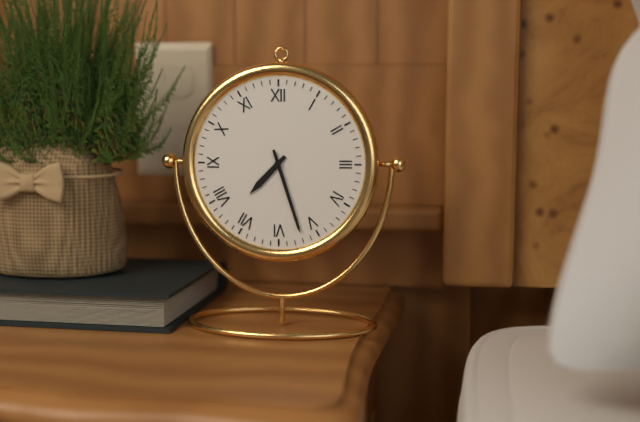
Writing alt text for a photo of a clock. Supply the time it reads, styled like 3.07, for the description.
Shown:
7.27
